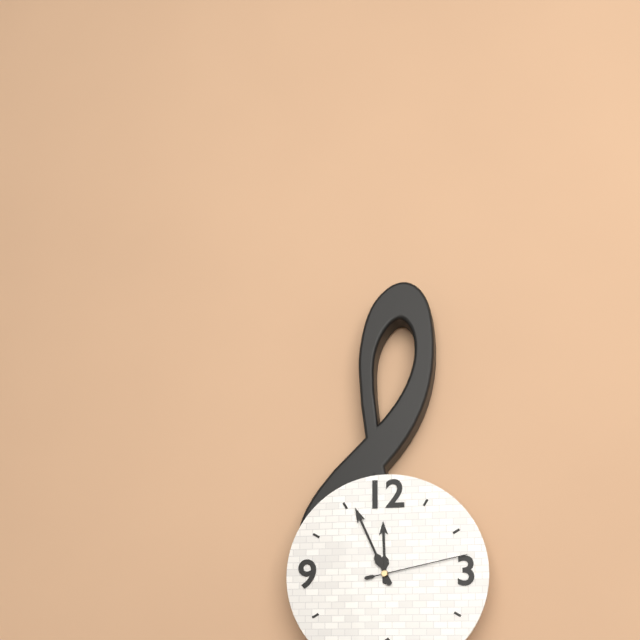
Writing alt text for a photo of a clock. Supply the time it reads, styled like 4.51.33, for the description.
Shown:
11.56.13
